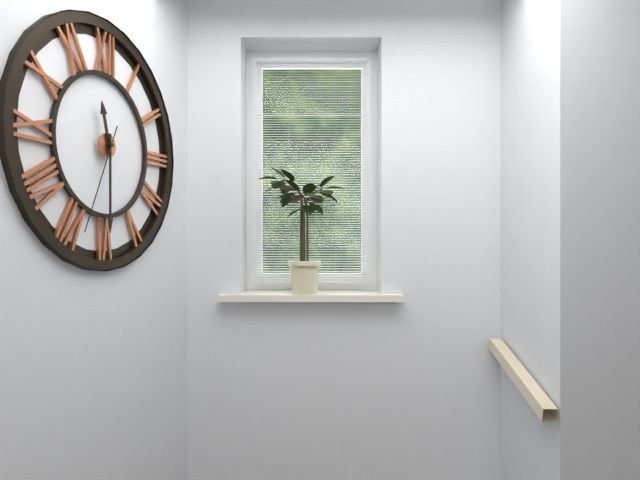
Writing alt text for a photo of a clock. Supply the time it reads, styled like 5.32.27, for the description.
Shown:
11.30.34
